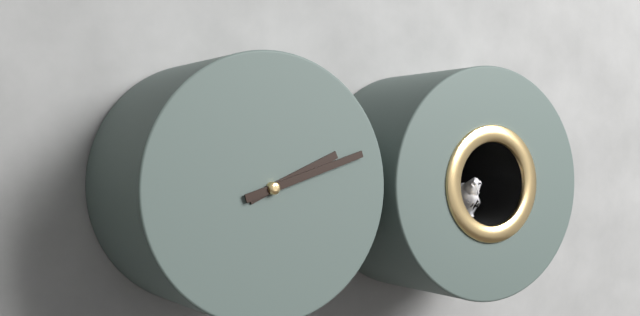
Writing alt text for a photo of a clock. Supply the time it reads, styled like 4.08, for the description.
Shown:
2.12
